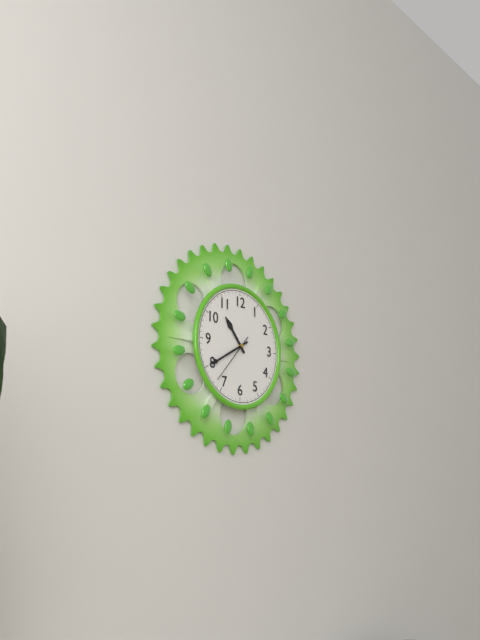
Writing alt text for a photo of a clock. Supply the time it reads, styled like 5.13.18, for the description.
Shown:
10.40.37
